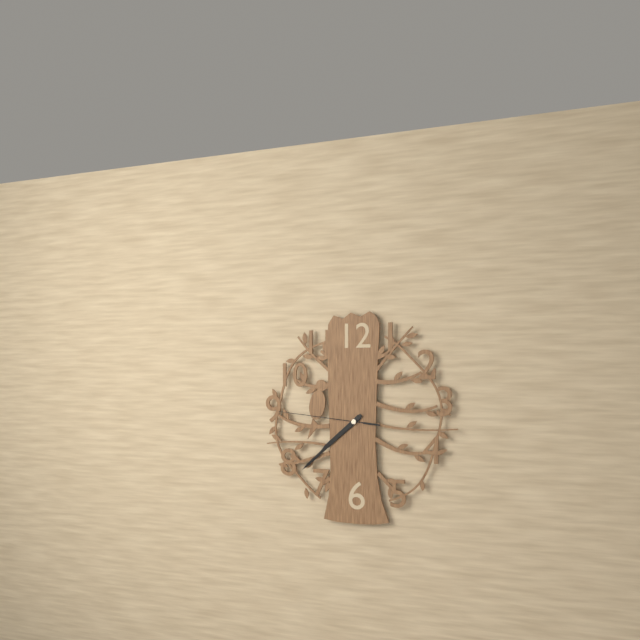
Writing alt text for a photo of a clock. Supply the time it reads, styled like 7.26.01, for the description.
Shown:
7.38.46
